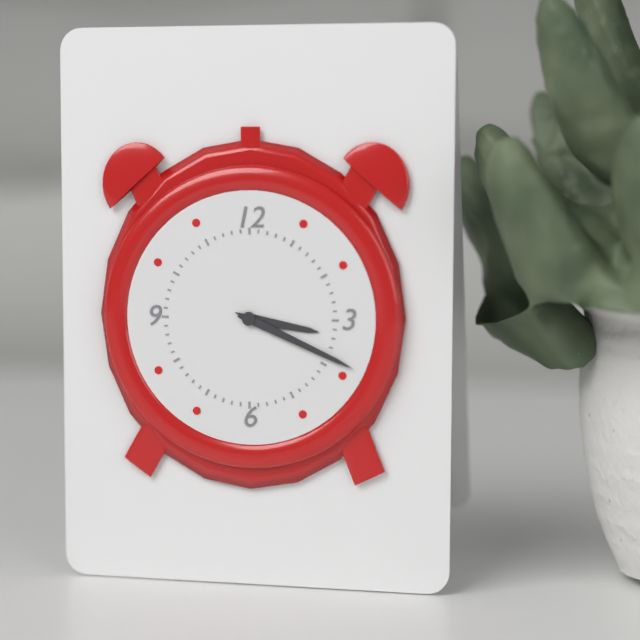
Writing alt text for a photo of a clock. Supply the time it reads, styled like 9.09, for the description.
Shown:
3.19
